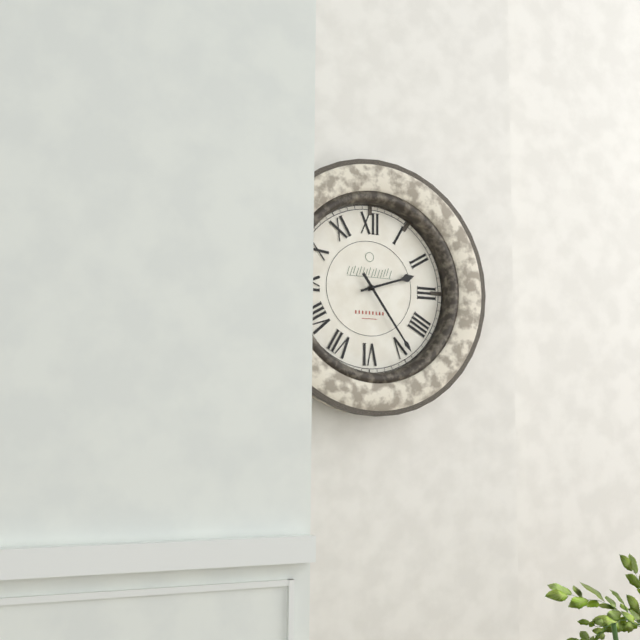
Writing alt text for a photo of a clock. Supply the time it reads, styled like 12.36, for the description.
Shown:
2.24
